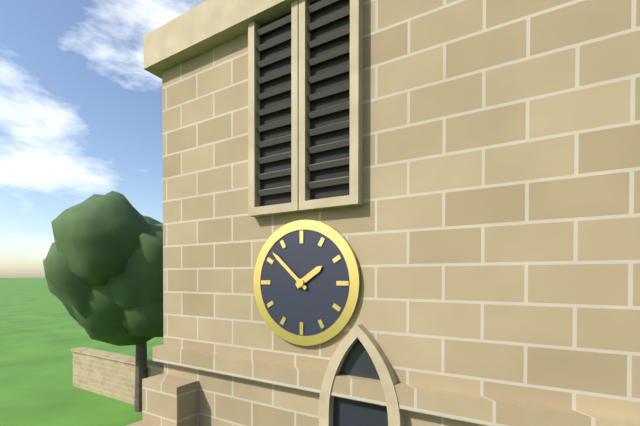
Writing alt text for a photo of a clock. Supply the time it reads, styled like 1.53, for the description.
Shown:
1.52
